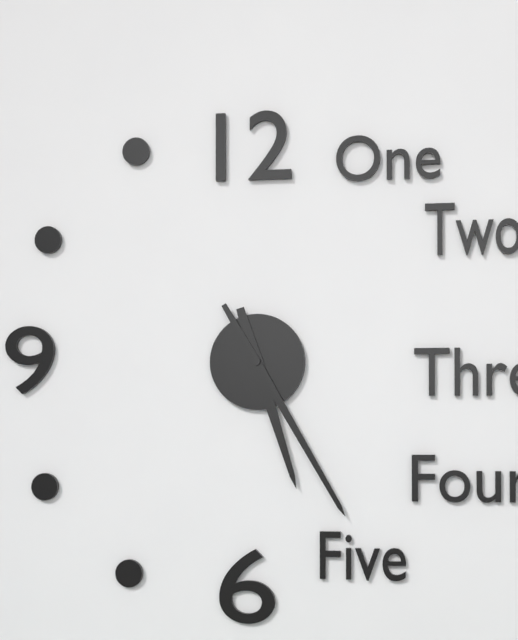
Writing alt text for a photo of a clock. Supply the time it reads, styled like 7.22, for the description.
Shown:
5.25
